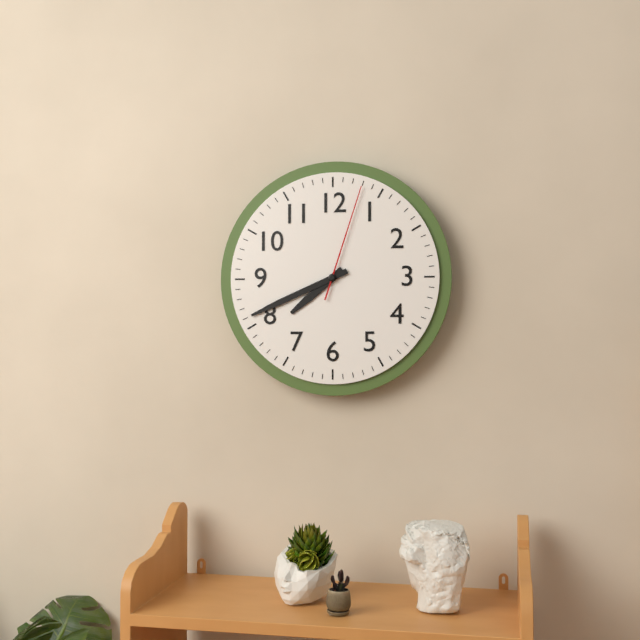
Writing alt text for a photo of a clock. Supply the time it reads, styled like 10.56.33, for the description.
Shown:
7.41.03
